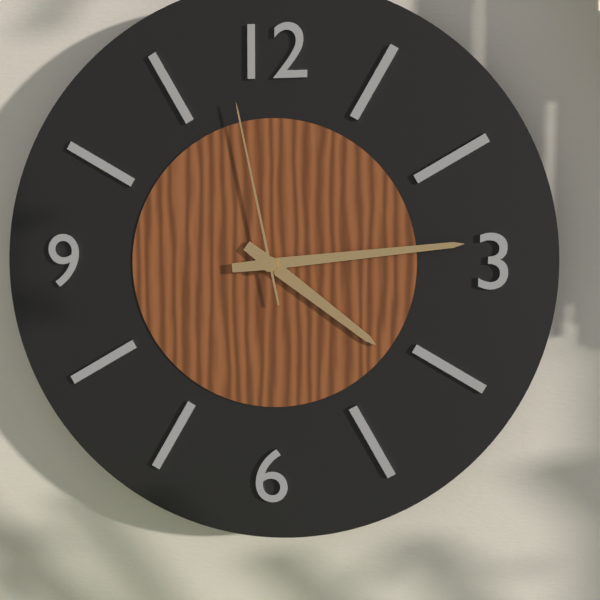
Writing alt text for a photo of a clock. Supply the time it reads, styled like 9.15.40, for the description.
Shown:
4.14.58
